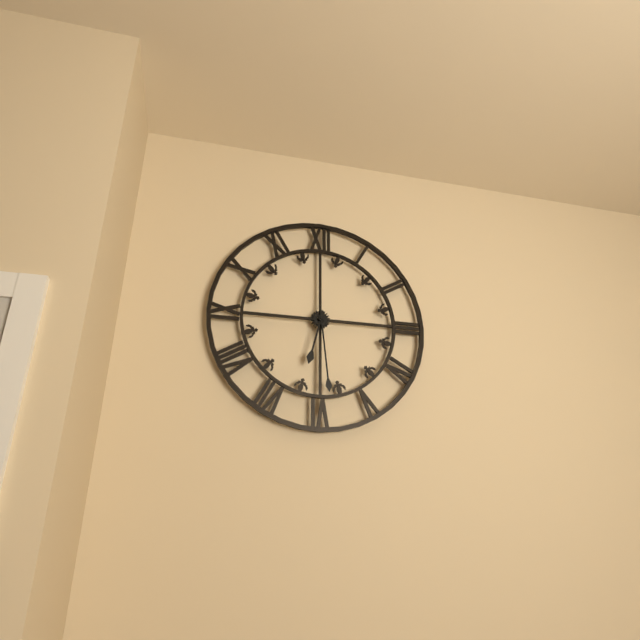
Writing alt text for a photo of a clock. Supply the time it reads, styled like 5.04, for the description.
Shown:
6.29
